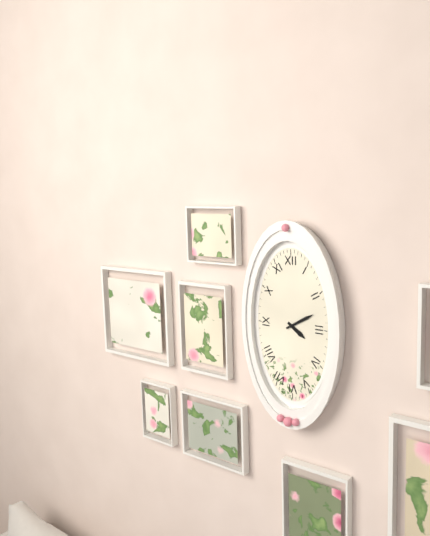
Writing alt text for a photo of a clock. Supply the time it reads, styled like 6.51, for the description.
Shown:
4.10
